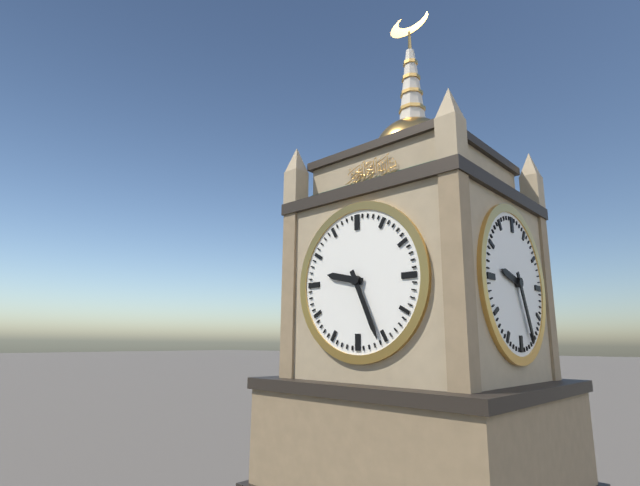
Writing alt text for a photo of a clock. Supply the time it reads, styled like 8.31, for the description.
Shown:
9.26
